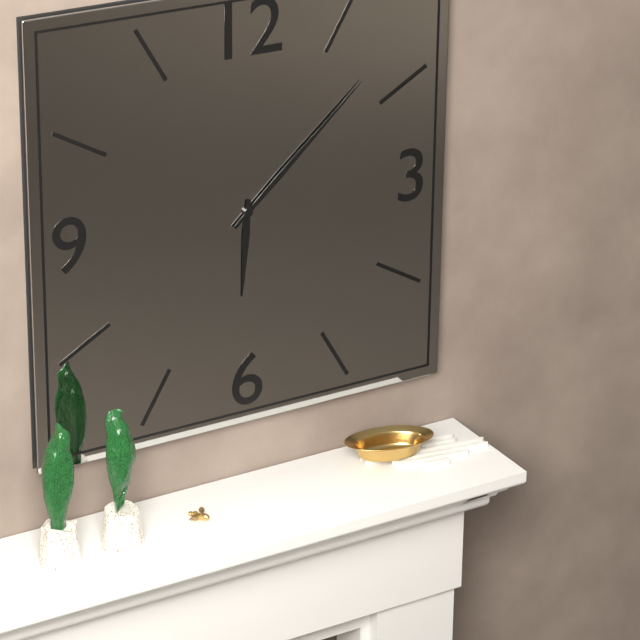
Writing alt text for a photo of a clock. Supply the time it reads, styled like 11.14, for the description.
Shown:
6.08
